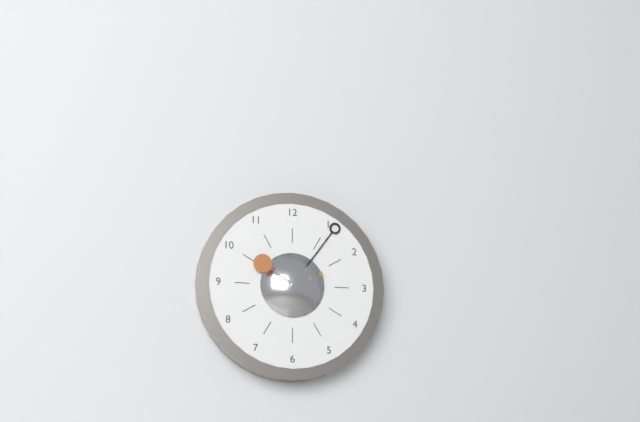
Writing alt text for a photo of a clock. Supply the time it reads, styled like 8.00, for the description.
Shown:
10.06
